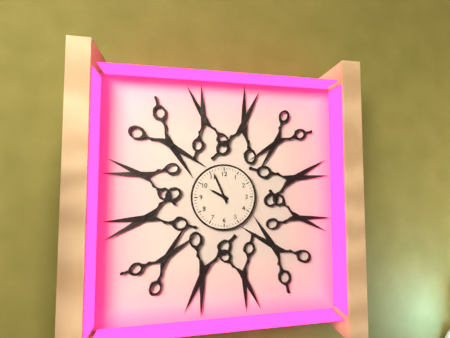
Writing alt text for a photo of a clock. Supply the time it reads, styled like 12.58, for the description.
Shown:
9.56
